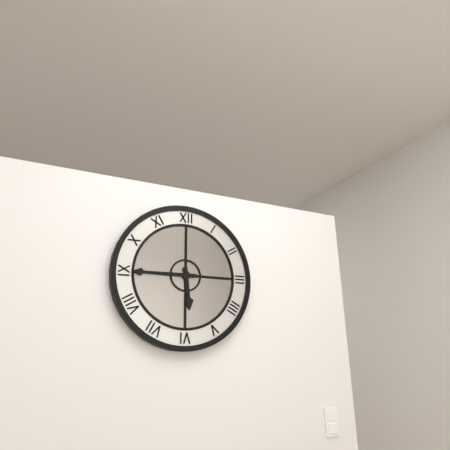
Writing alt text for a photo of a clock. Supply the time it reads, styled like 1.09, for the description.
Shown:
5.45
